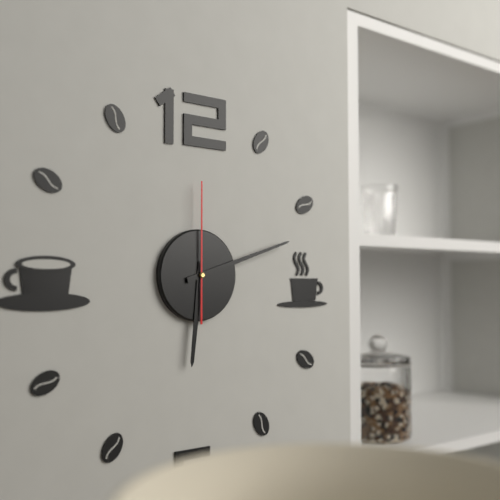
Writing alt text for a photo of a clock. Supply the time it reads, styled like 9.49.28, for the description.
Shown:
6.12.00
